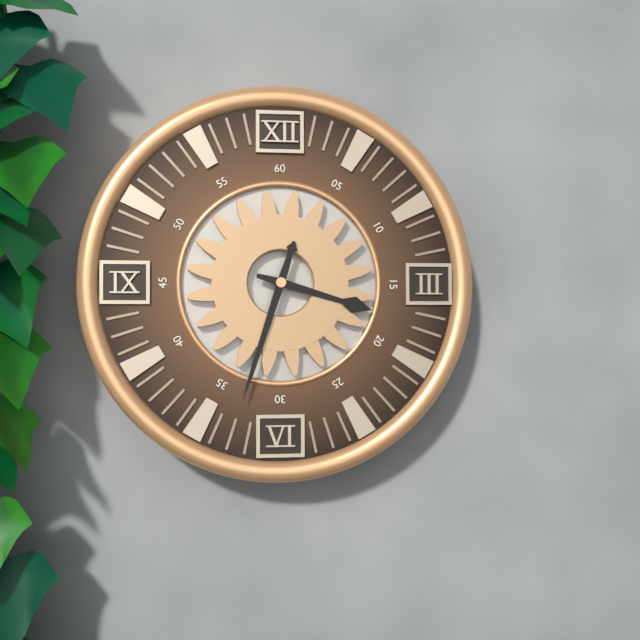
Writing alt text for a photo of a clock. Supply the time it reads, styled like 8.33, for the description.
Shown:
3.33
